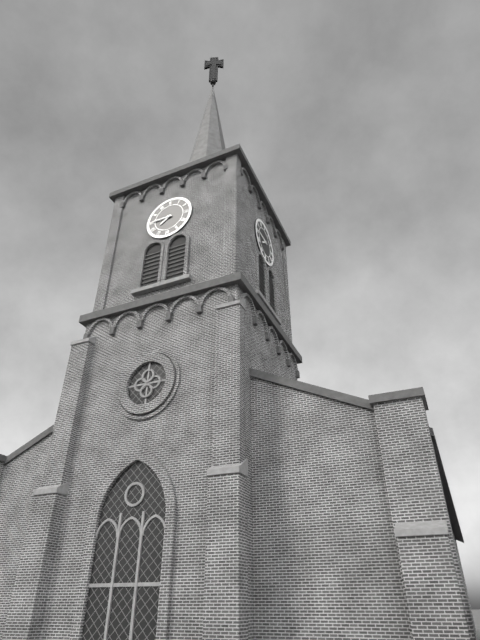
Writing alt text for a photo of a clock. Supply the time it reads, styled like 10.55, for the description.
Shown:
7.45
